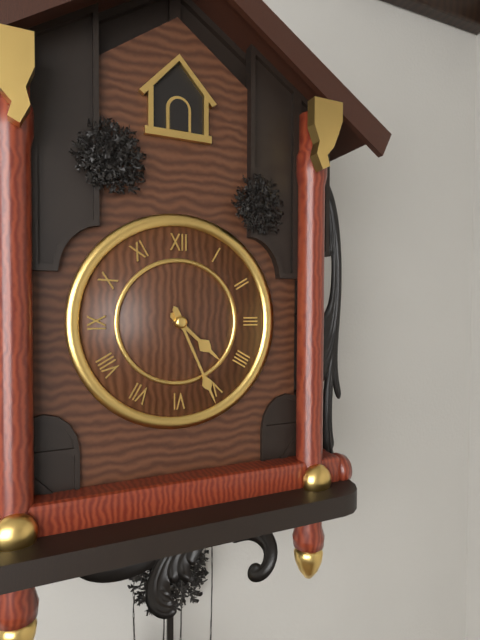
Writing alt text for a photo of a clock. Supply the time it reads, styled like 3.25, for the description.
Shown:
4.26
